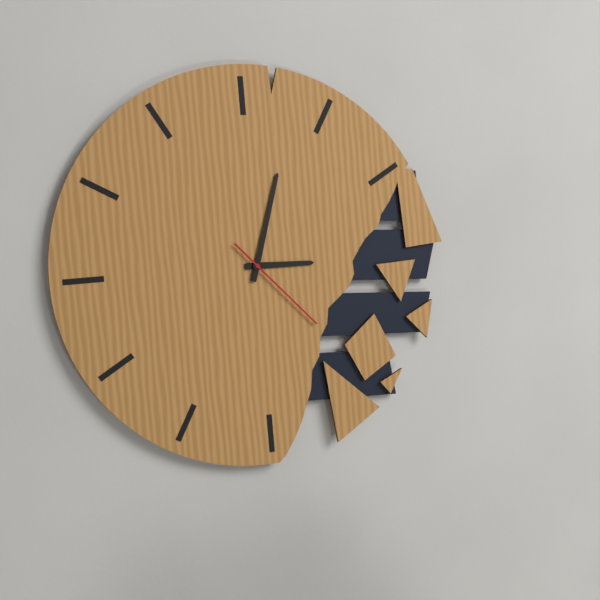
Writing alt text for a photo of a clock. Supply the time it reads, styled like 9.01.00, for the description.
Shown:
3.03.23
